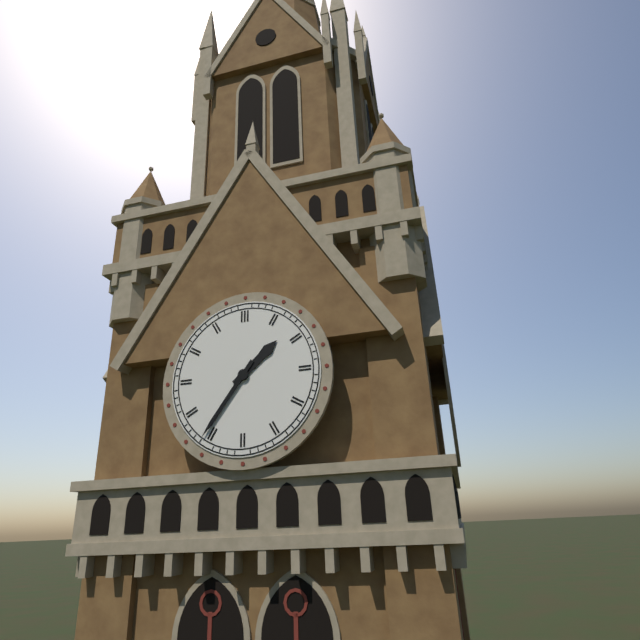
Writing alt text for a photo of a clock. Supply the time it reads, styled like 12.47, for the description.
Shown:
1.36
